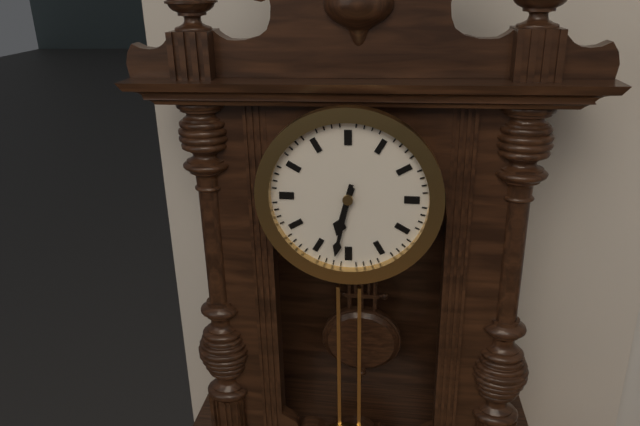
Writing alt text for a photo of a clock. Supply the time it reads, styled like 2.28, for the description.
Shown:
6.32
